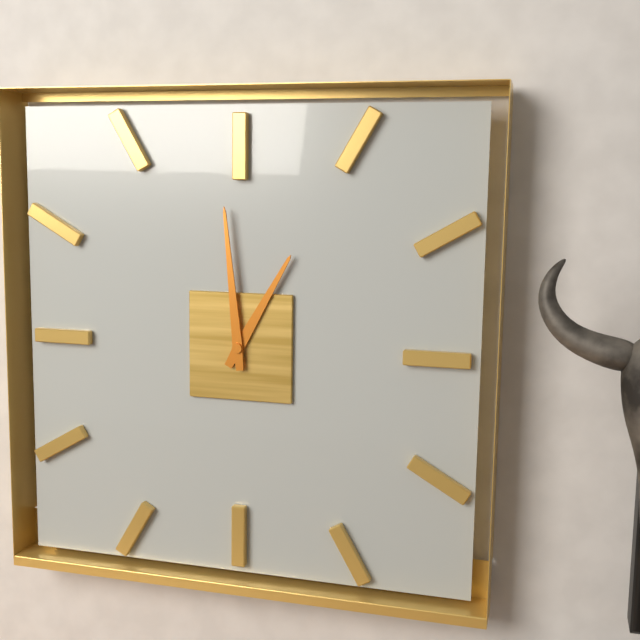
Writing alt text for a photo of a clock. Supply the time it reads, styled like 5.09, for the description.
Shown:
12.59
